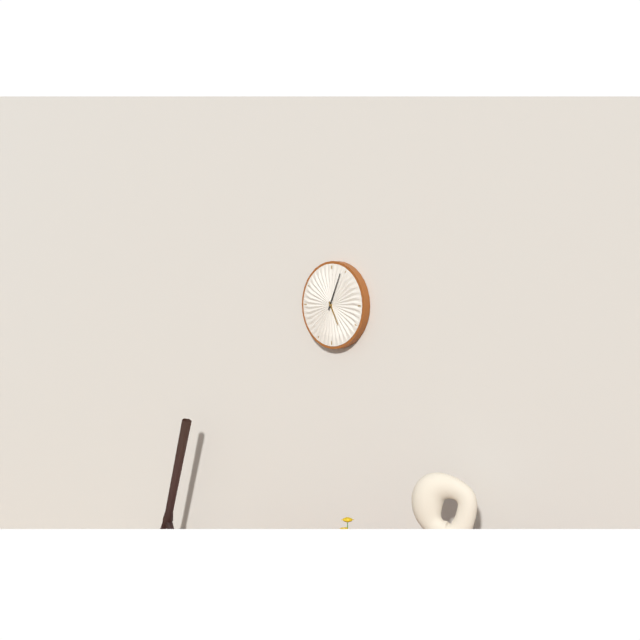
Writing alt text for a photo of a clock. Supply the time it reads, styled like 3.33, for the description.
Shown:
5.04
